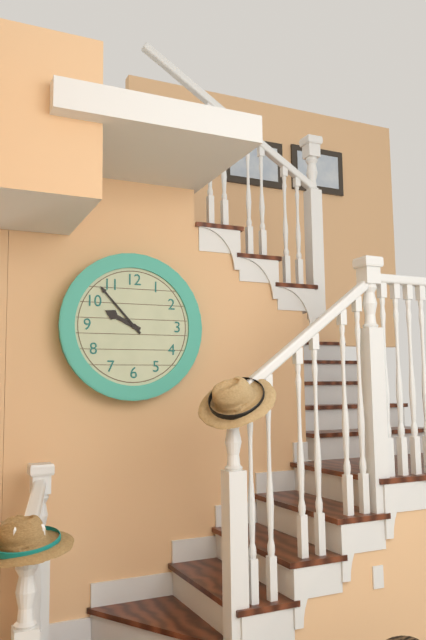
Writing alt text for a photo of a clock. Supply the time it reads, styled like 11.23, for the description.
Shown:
9.53
